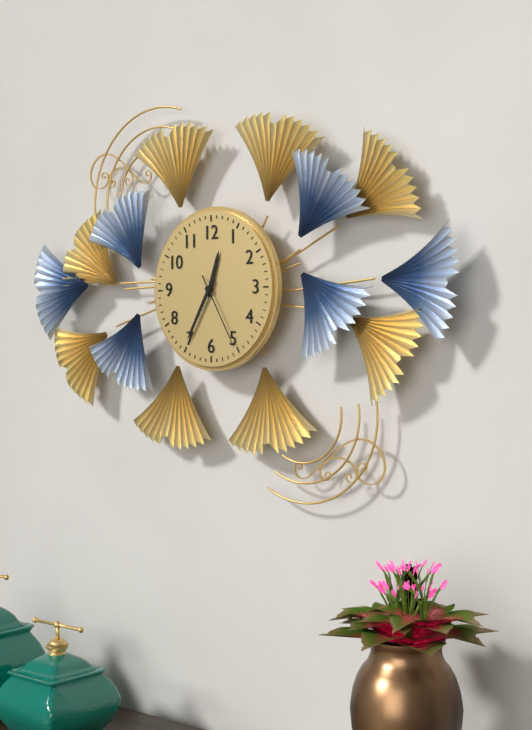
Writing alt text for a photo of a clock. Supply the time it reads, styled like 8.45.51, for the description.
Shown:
12.35.25
